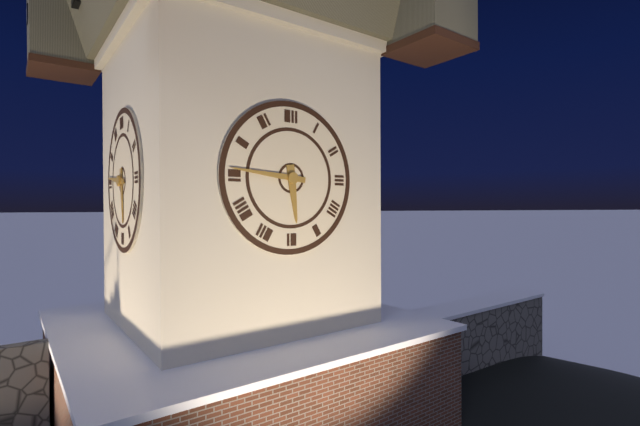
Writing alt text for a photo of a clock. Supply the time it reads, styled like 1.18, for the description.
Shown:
5.46
